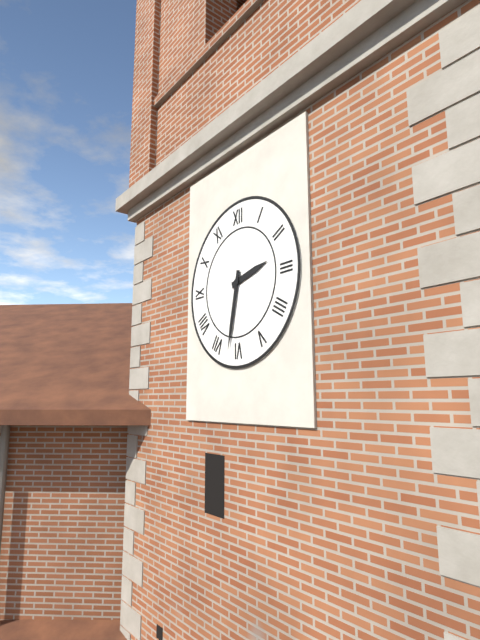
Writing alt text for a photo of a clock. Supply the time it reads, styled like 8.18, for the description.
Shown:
2.32
